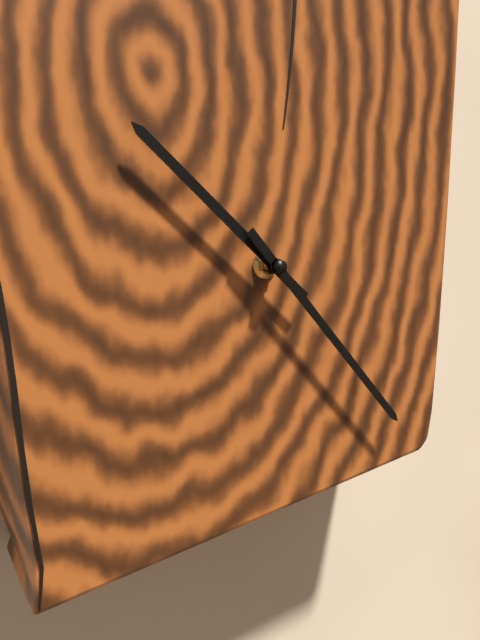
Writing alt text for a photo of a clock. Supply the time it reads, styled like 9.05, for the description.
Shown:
10.23
